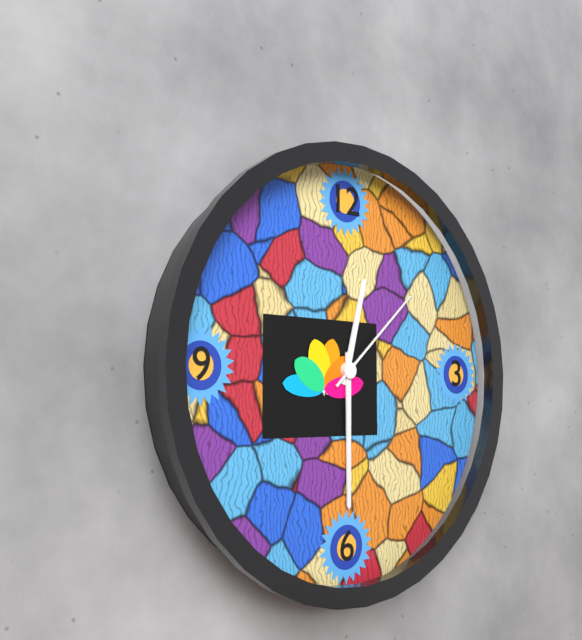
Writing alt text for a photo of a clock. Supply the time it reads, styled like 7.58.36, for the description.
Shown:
12.30.08
